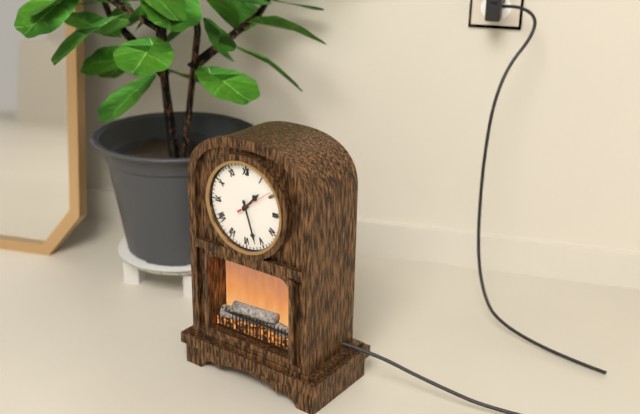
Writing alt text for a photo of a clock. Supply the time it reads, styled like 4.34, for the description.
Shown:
1.27
